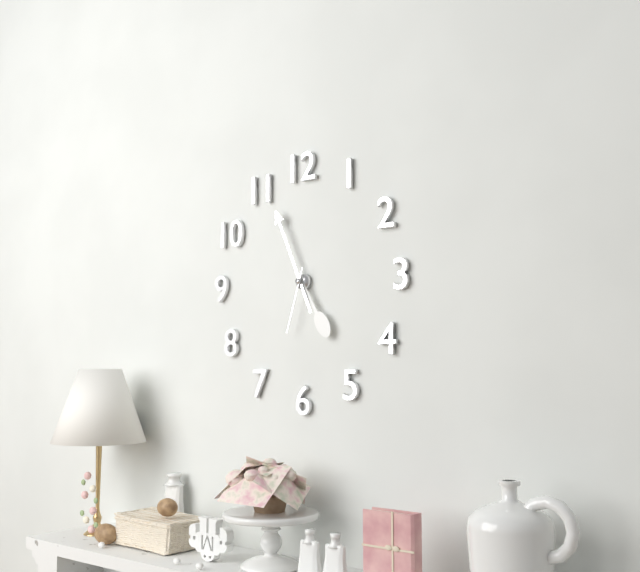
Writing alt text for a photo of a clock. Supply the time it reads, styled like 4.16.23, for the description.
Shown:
4.56.33
